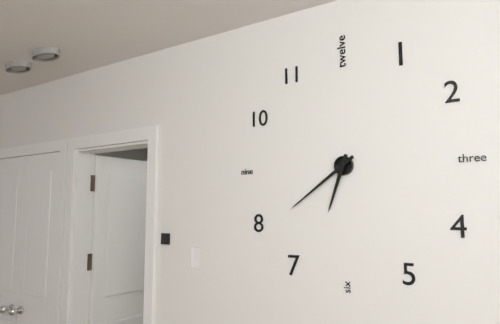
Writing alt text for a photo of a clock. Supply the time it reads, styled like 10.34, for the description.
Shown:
6.39
